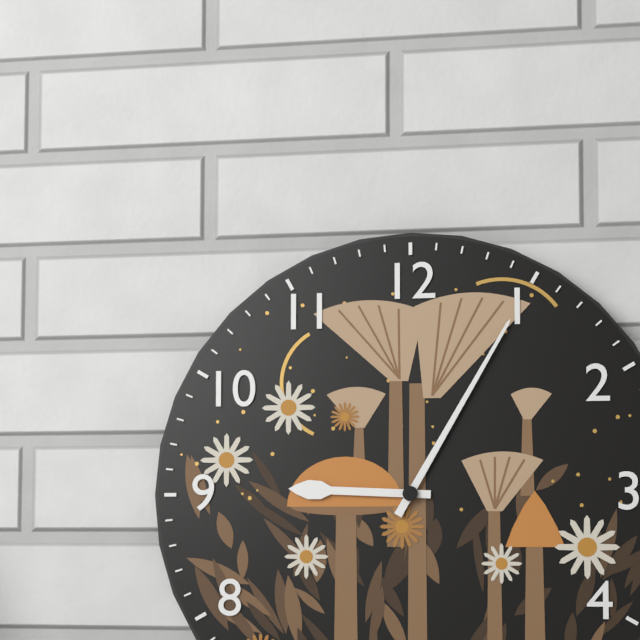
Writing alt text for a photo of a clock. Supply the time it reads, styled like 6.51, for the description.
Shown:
9.05
